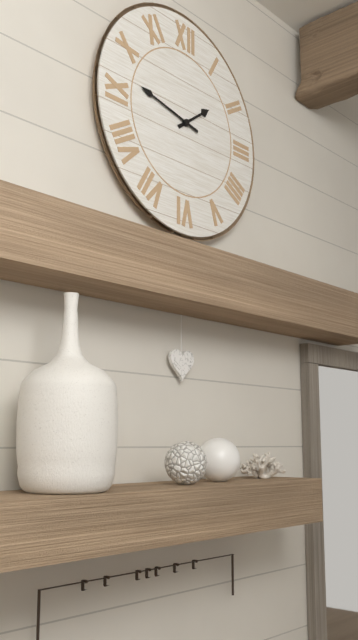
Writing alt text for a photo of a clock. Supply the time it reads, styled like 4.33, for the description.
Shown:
1.47
